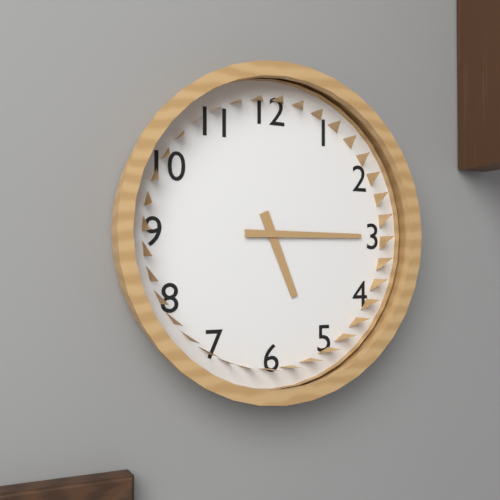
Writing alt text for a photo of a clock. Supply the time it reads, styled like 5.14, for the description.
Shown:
5.15
